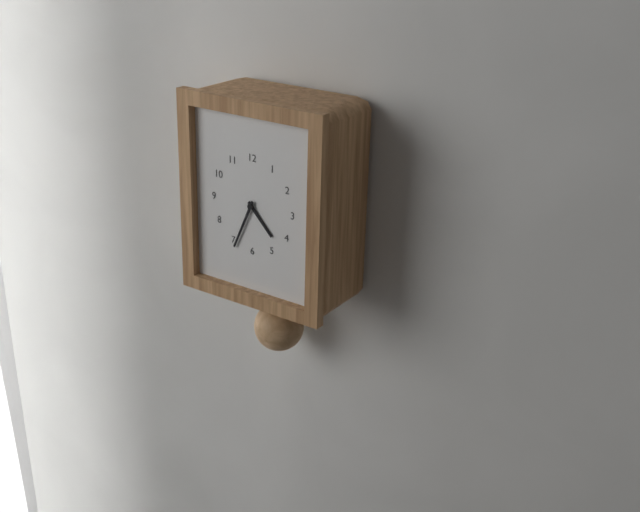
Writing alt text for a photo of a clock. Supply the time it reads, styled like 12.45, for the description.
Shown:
4.34
